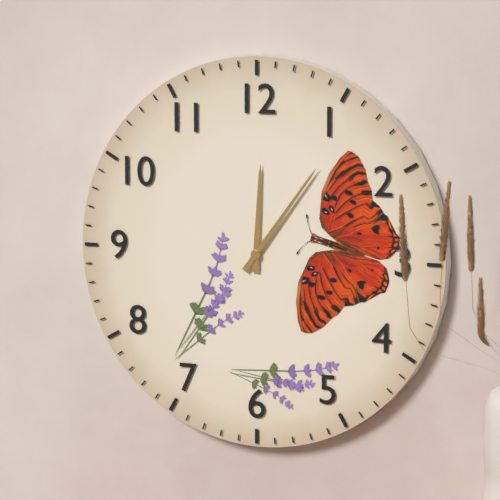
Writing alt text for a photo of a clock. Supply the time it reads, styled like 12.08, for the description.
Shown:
12.06
